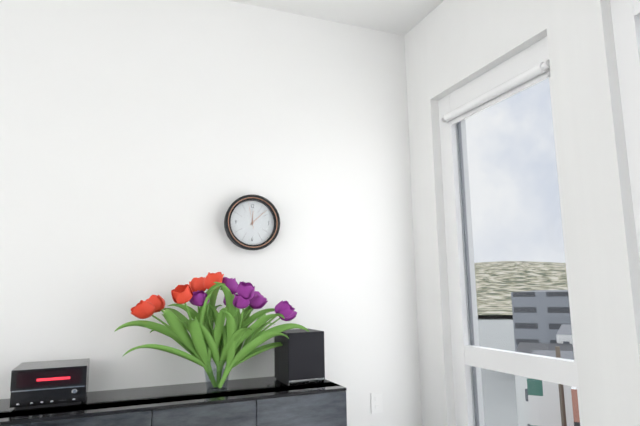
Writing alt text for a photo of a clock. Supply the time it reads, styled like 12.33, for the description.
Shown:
12.08
